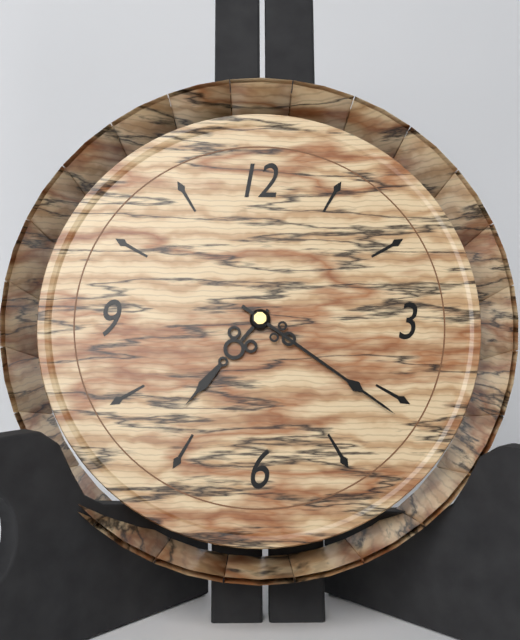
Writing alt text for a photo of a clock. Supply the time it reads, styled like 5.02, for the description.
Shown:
7.21
